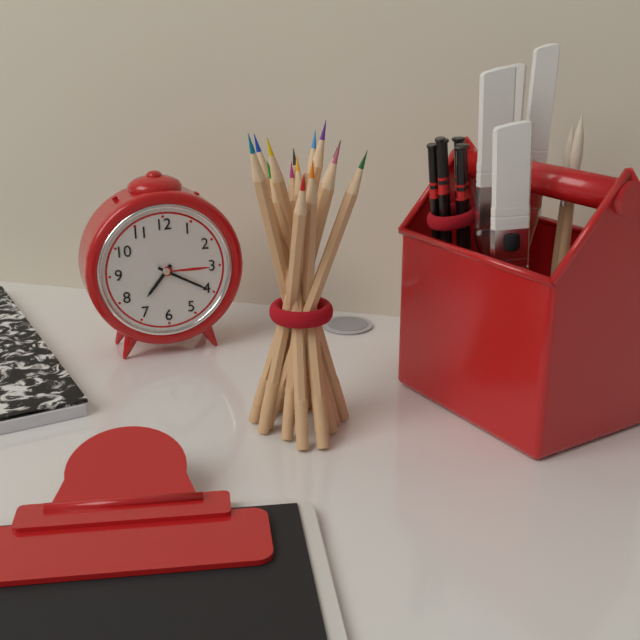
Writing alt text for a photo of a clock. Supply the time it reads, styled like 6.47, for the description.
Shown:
7.20
